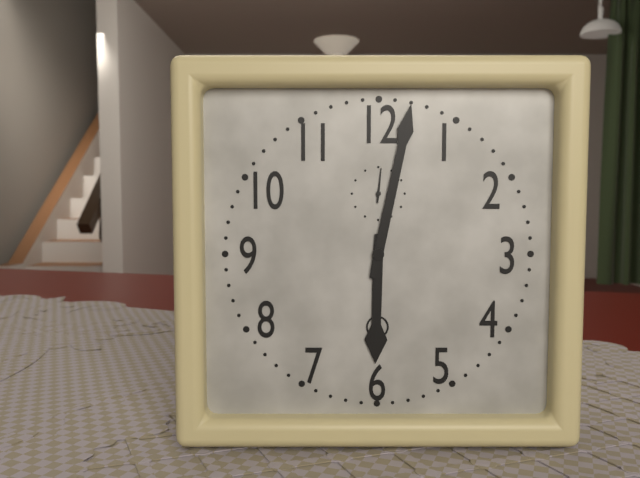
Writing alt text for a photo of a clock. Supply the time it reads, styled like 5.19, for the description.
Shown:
6.02
